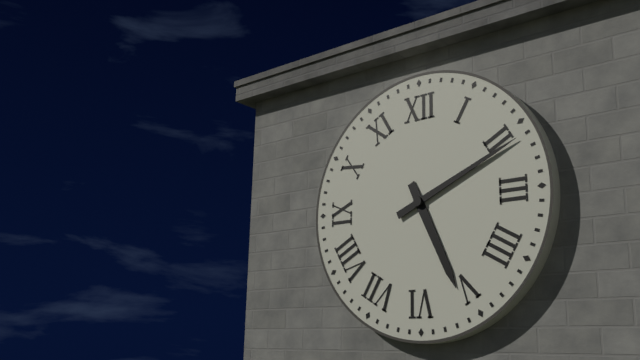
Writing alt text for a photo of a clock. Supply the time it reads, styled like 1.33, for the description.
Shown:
5.11
